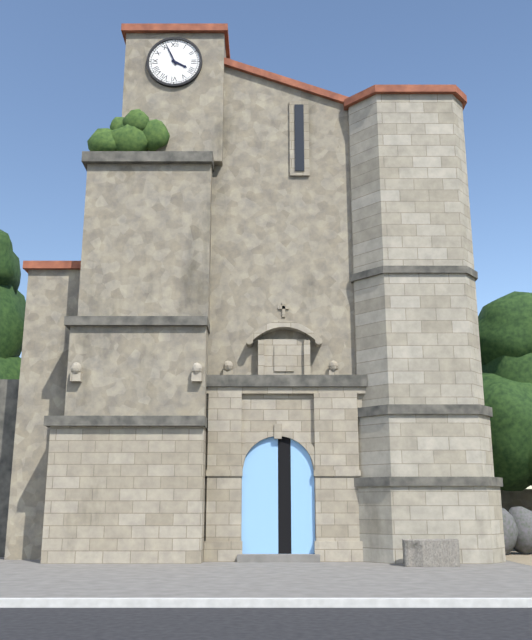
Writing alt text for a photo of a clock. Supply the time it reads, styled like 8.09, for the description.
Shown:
3.56
